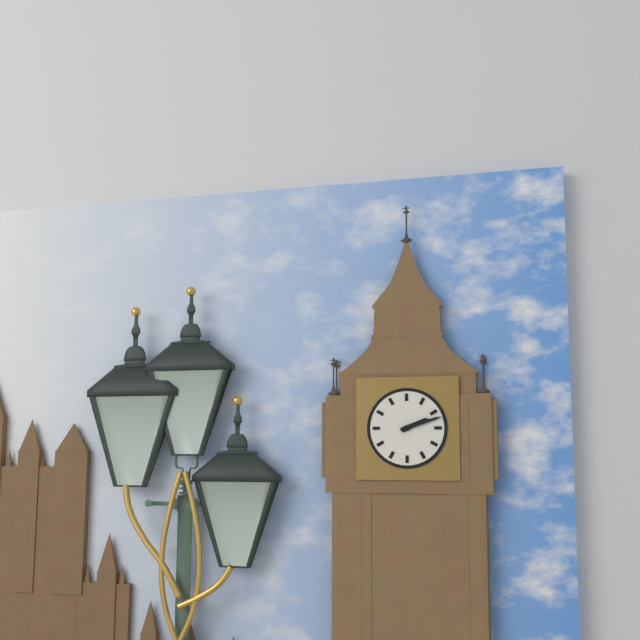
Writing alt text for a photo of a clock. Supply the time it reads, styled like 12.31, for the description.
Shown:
2.12
